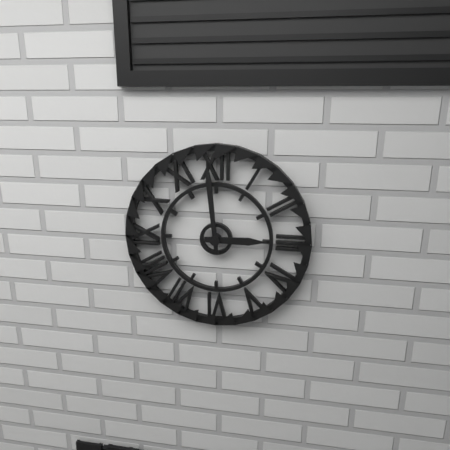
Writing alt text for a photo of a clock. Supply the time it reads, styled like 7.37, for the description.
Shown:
2.59
